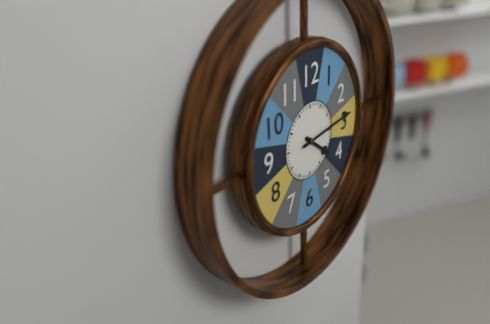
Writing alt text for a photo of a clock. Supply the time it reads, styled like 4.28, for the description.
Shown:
4.14
